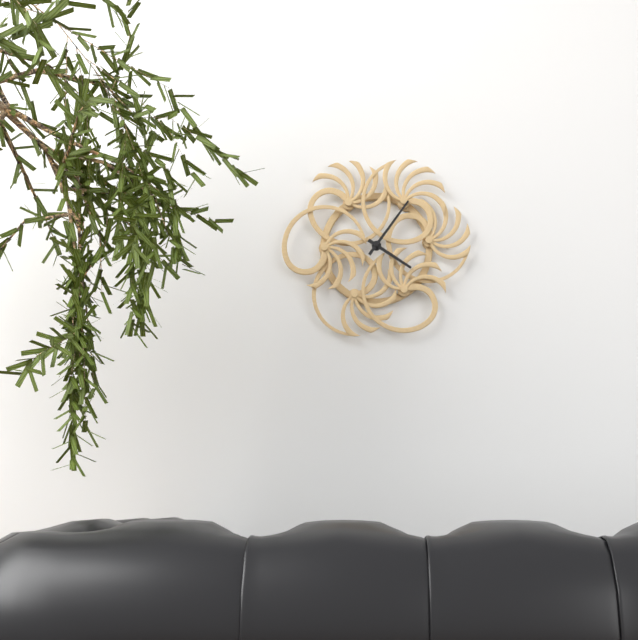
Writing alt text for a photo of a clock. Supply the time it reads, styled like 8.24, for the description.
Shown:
4.06
